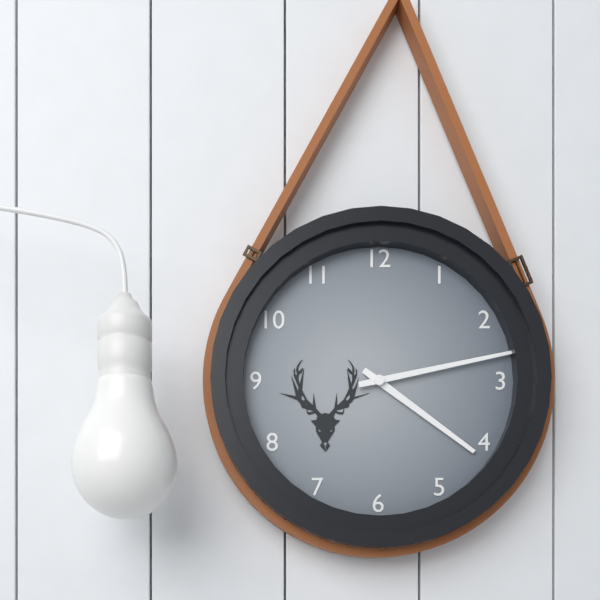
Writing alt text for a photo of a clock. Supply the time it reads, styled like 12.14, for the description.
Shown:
4.13
